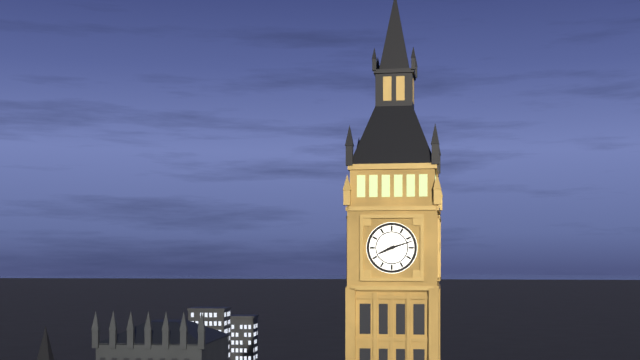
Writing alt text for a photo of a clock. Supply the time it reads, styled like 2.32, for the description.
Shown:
8.12
